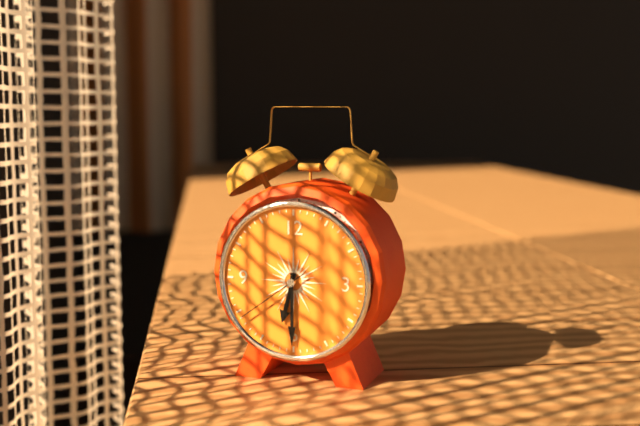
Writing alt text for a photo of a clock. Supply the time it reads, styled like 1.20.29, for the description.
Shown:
6.30.39
